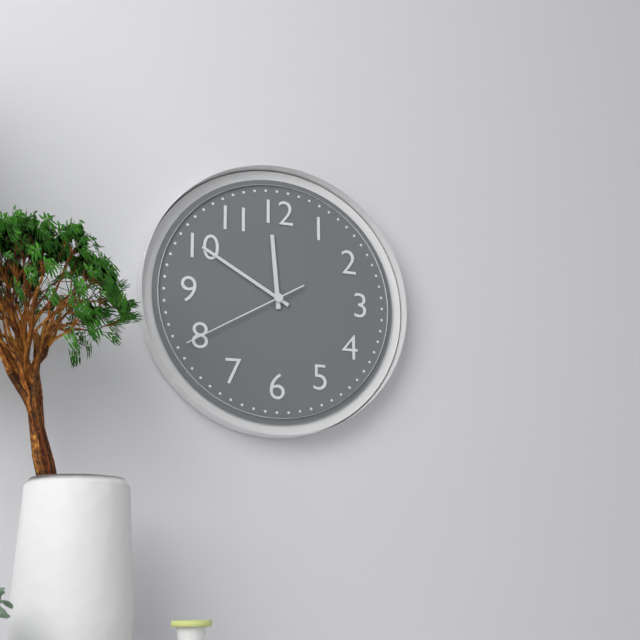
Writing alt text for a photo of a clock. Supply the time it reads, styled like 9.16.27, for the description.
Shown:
11.50.40
